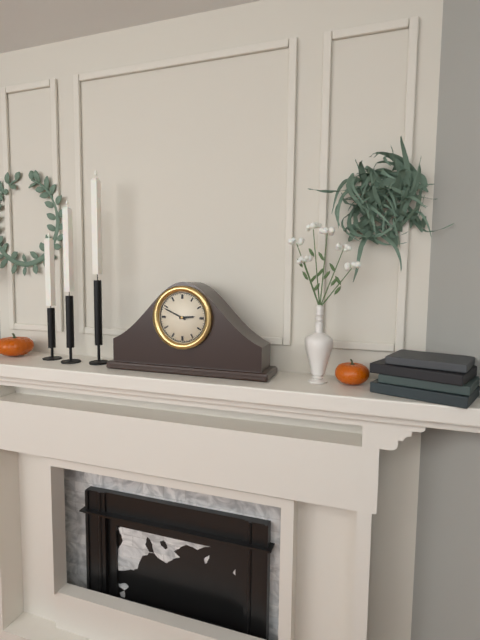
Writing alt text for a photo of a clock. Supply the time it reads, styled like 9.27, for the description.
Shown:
2.49
